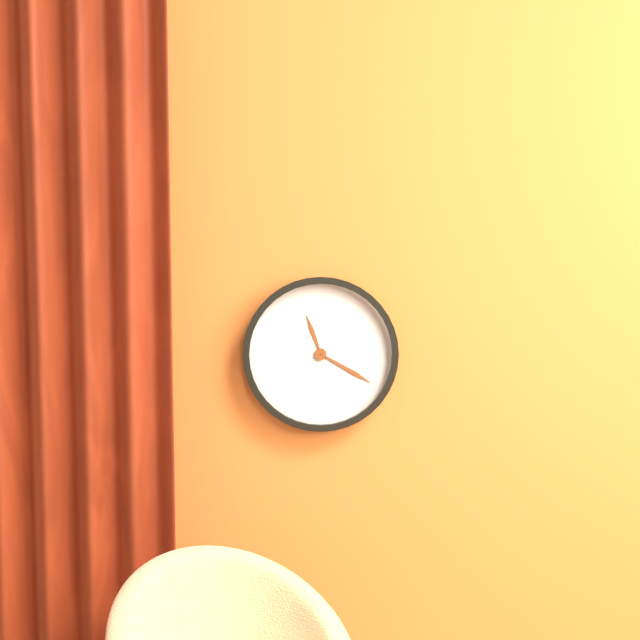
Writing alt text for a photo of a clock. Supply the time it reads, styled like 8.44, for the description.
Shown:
11.20
